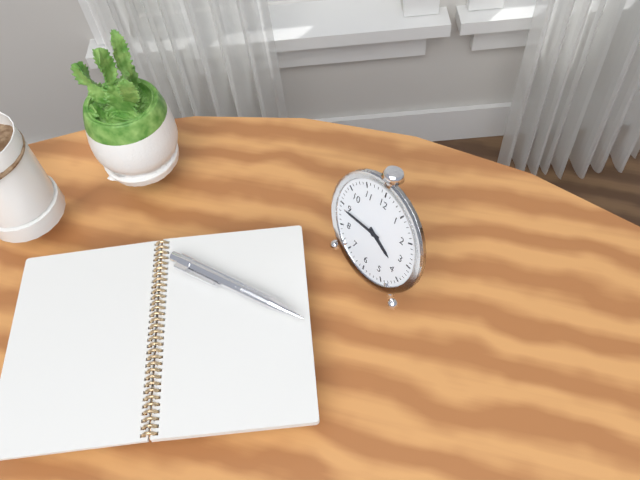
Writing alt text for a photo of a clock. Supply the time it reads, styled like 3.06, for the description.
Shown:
3.44
